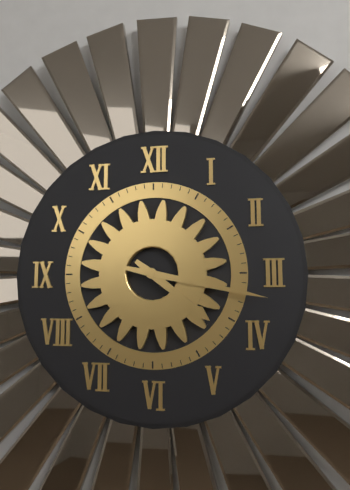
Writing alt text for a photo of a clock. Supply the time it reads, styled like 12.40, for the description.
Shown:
4.17
